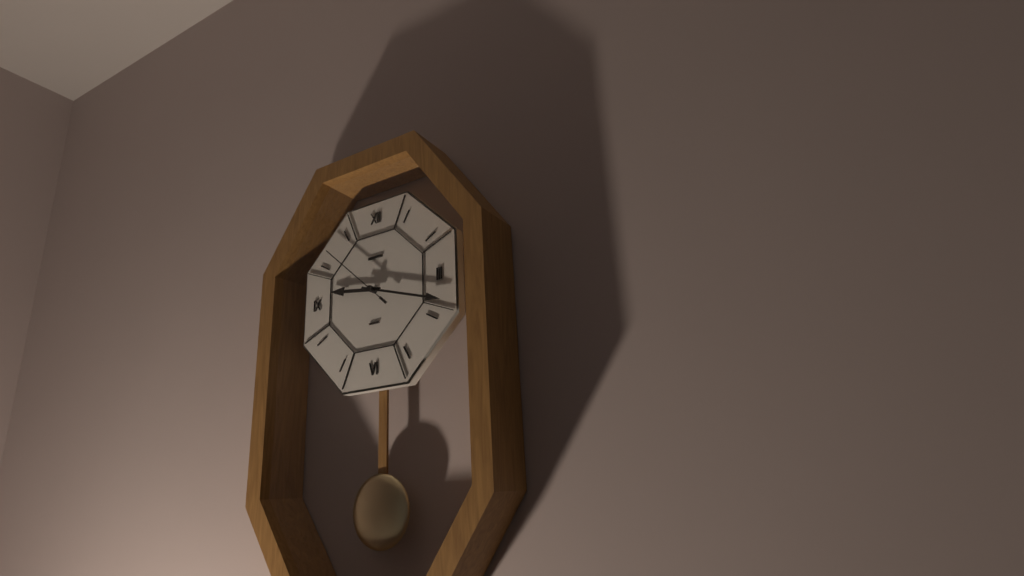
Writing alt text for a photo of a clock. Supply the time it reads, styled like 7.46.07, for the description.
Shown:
9.18.52
